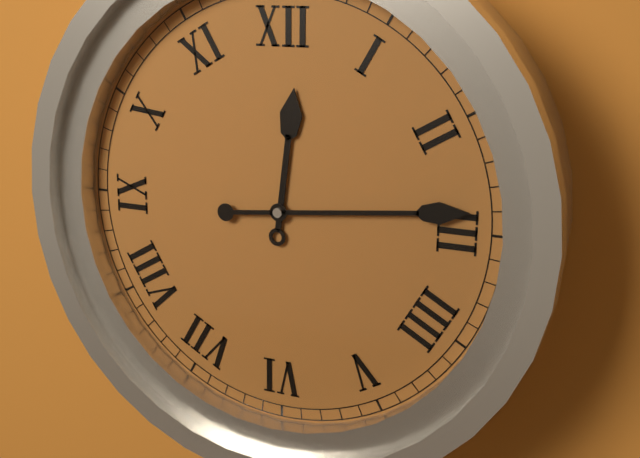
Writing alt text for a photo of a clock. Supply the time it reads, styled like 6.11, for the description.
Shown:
12.14
